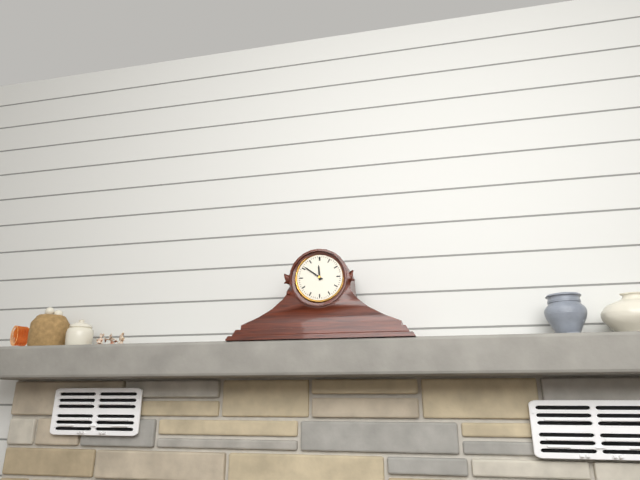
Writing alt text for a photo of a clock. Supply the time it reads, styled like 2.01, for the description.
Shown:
11.51
